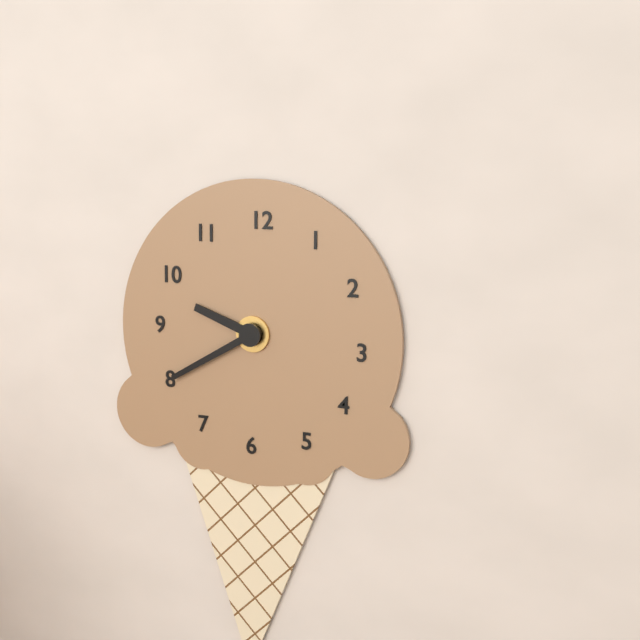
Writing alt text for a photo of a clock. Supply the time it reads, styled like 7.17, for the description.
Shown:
9.40
